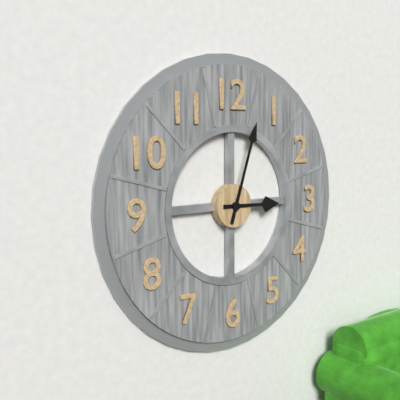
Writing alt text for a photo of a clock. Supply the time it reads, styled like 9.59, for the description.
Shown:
3.03
